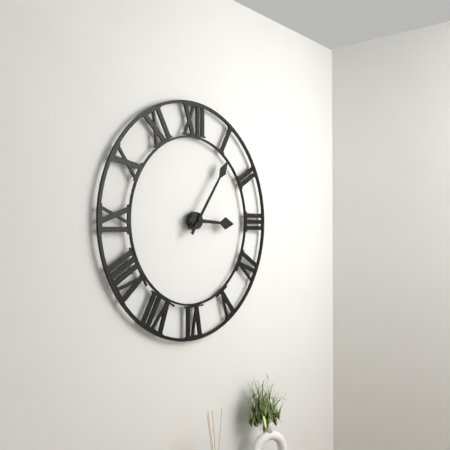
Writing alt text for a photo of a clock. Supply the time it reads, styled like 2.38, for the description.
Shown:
3.06
